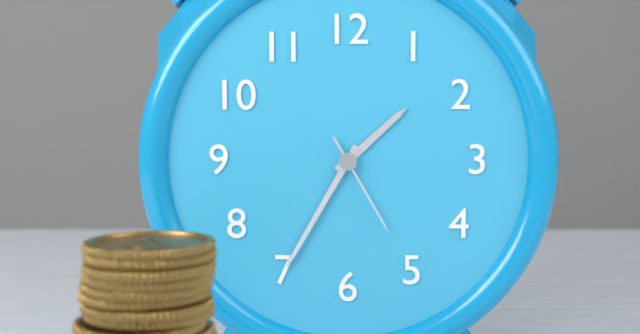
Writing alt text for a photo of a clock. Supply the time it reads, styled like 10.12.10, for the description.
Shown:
1.35.25
